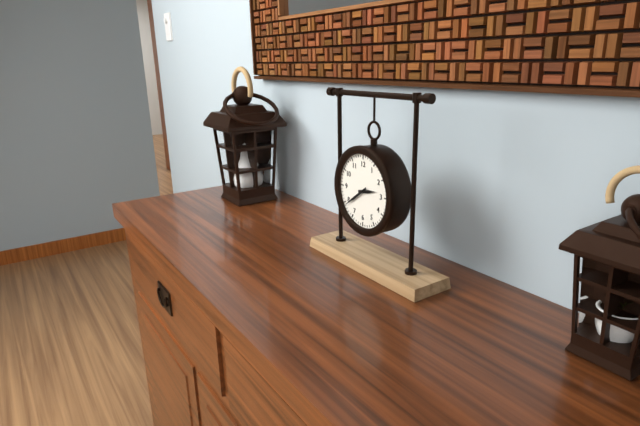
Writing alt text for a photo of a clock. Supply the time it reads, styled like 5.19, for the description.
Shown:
2.39
